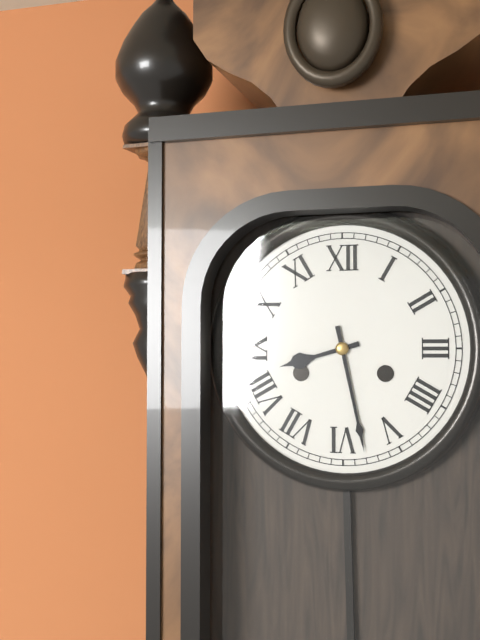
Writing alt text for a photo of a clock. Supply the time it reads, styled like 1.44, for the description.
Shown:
8.28
